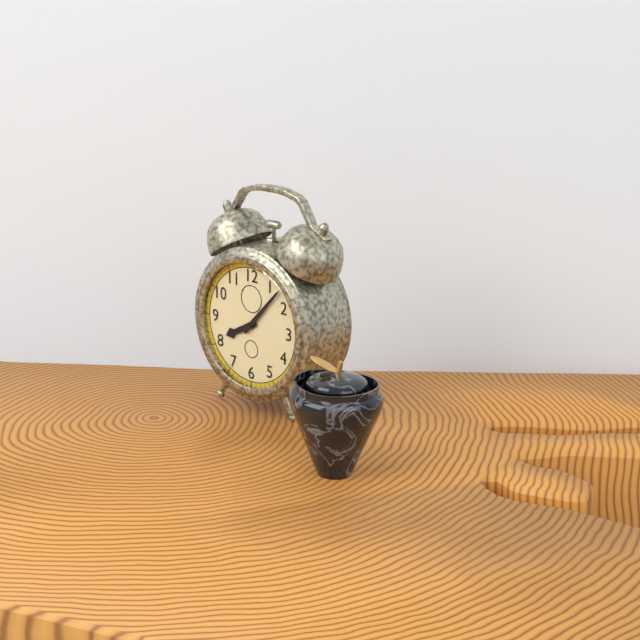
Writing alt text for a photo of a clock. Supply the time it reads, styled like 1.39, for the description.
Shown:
8.07
